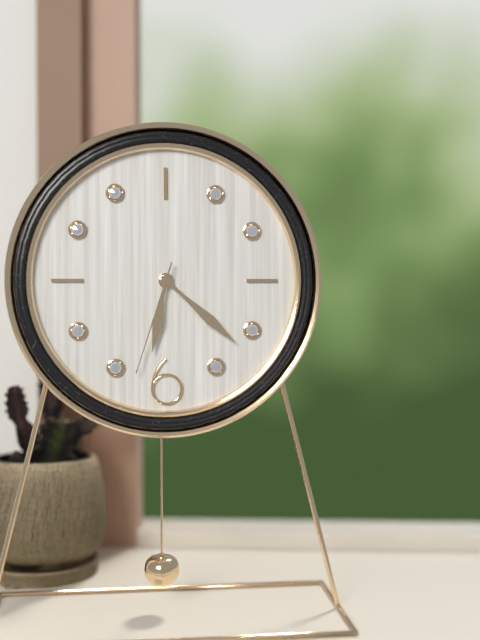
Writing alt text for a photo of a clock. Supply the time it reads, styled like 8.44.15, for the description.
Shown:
6.22.33
